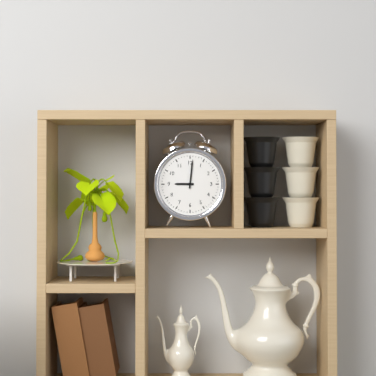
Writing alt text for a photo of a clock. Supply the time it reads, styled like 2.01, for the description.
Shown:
9.01
